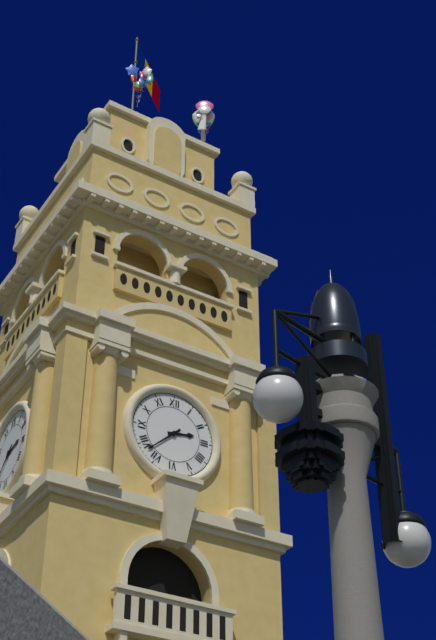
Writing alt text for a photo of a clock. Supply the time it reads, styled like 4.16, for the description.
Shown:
2.38
